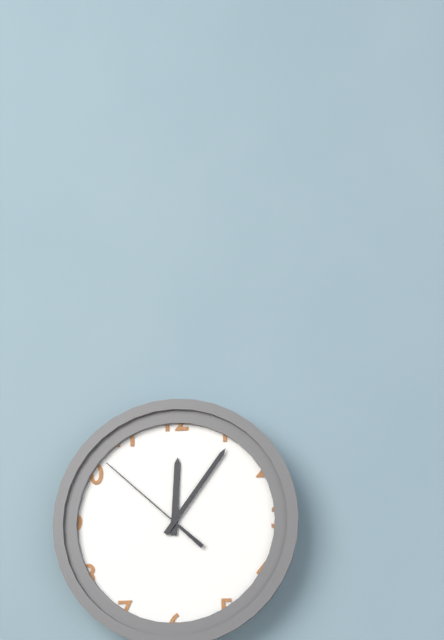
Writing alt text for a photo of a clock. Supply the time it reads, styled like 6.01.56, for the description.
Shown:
12.06.52
